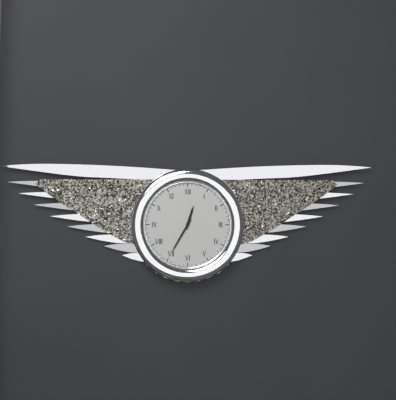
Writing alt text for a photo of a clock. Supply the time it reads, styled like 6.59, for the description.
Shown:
12.35
